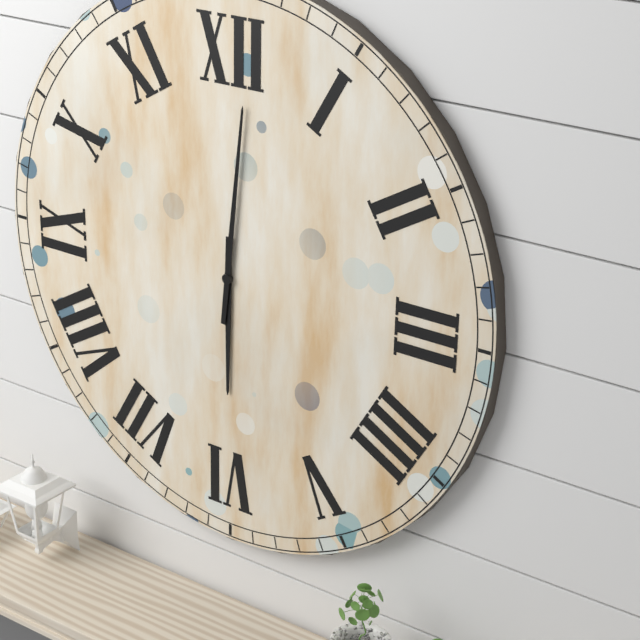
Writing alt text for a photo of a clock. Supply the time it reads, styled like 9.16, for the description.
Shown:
6.01
